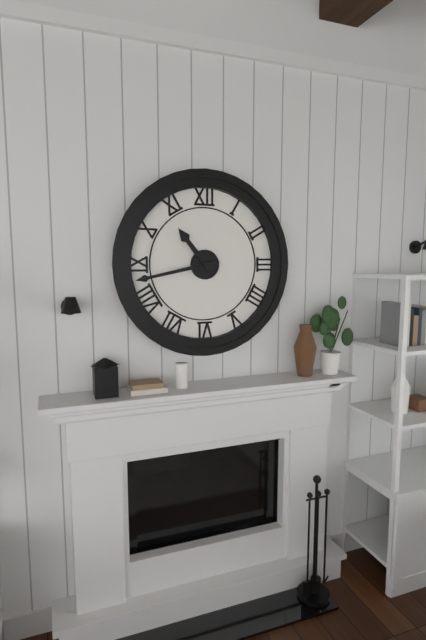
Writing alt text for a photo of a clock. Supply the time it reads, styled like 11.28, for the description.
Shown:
10.43
